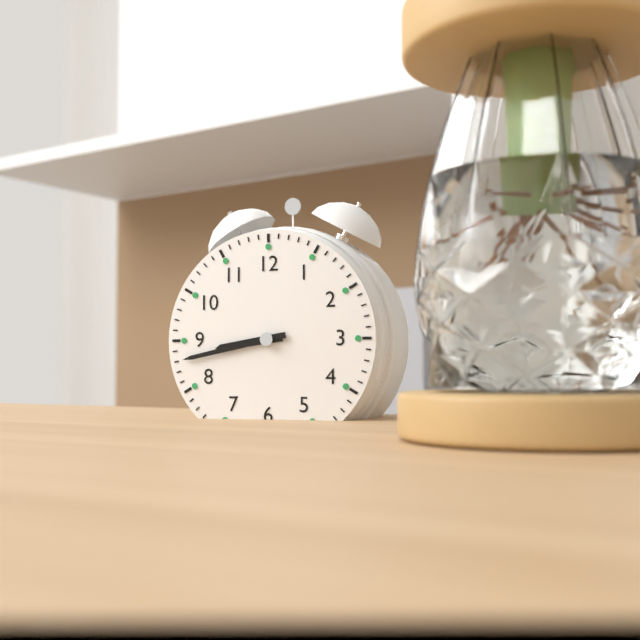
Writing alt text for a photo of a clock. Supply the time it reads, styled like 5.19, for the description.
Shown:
8.43
